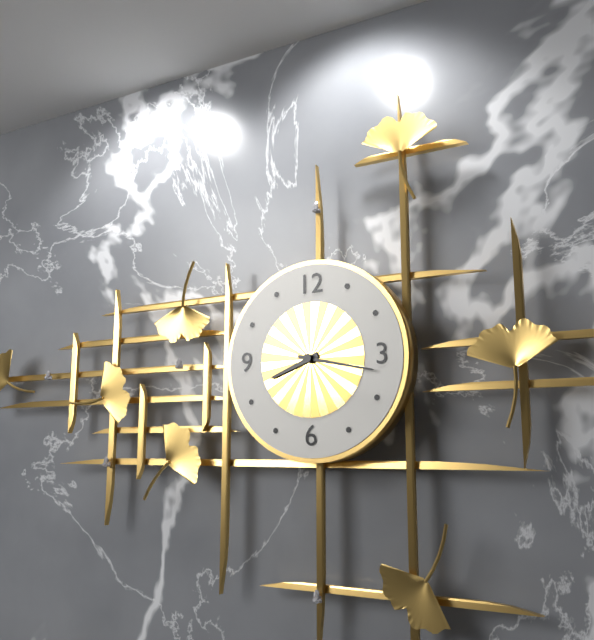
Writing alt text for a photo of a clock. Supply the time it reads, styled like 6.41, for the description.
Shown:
8.17
